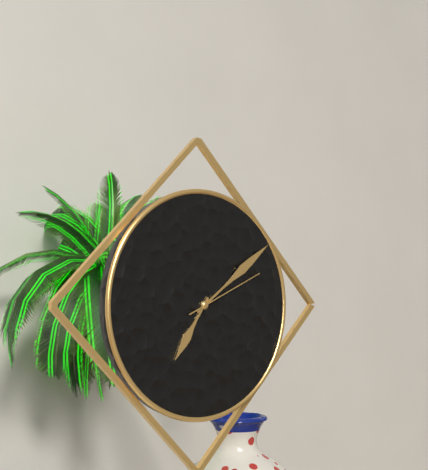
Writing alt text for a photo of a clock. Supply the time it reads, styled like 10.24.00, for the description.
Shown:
7.09.11
